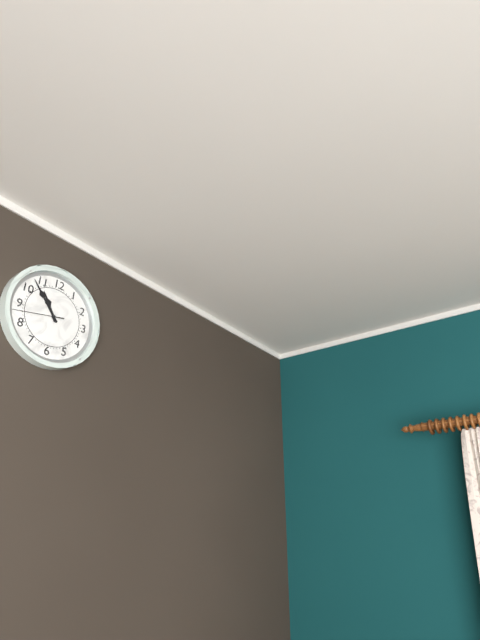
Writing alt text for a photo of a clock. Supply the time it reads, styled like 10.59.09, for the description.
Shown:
10.53.43
